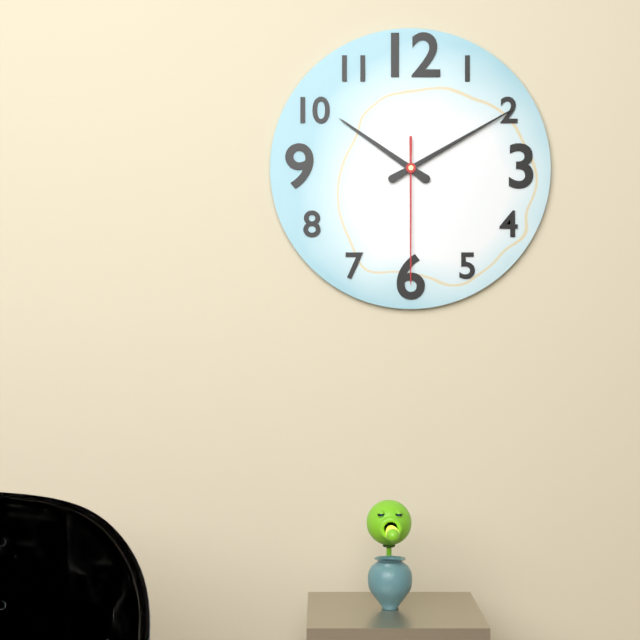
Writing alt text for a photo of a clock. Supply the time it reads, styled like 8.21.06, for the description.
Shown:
10.10.30
